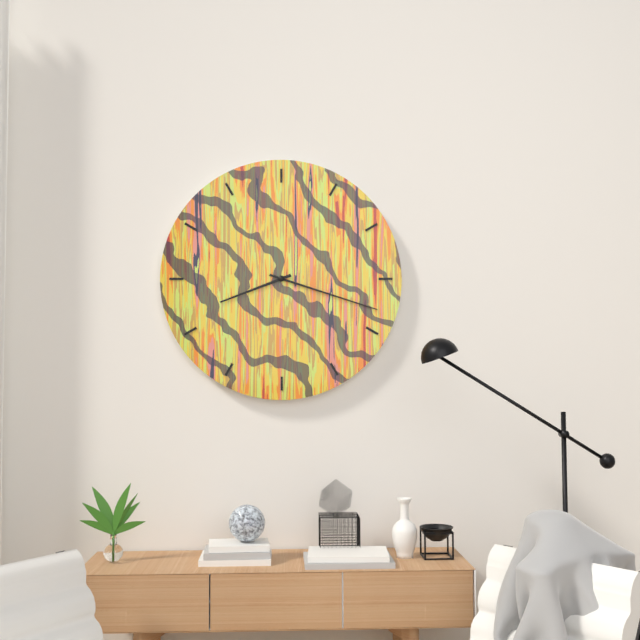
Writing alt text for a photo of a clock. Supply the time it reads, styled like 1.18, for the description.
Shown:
8.18
